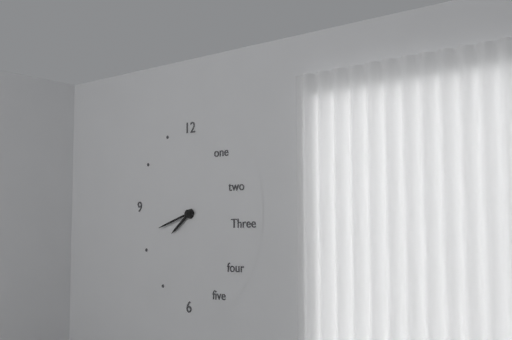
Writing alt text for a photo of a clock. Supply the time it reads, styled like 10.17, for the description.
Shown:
7.42
